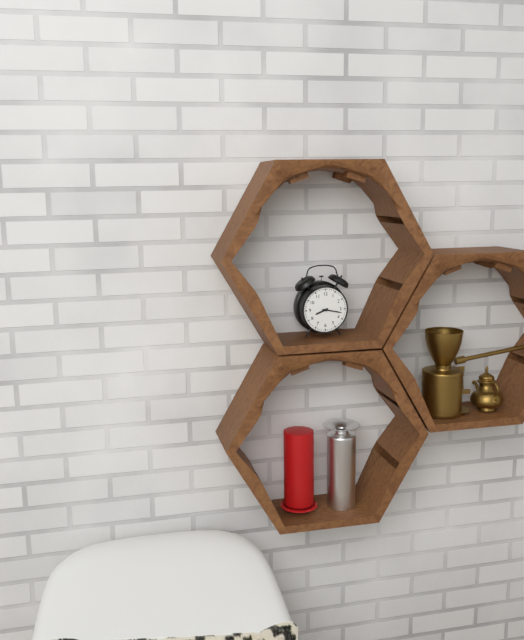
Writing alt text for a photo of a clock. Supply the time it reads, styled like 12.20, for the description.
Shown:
8.17
